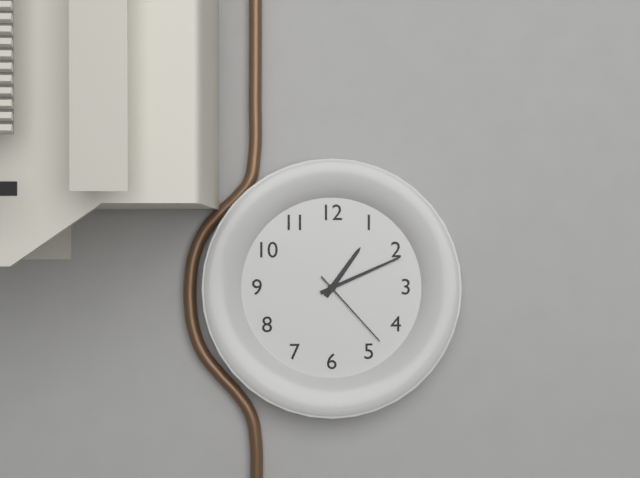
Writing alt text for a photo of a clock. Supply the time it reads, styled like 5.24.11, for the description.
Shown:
1.11.23
